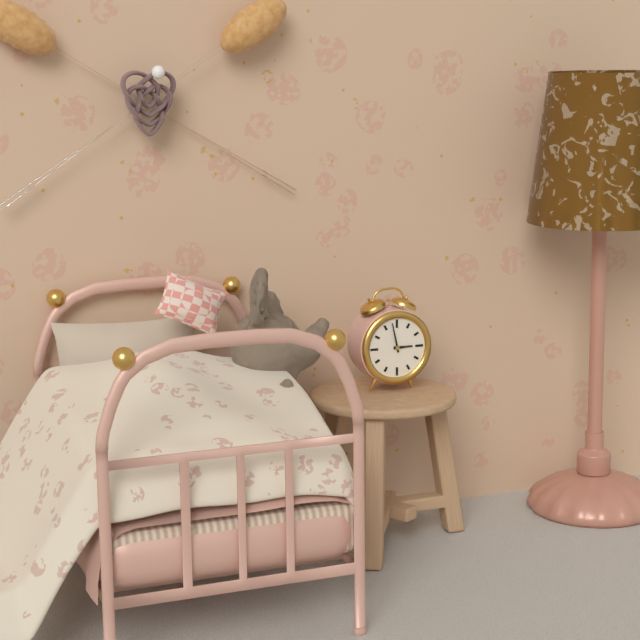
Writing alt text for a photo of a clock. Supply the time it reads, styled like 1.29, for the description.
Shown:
2.58
